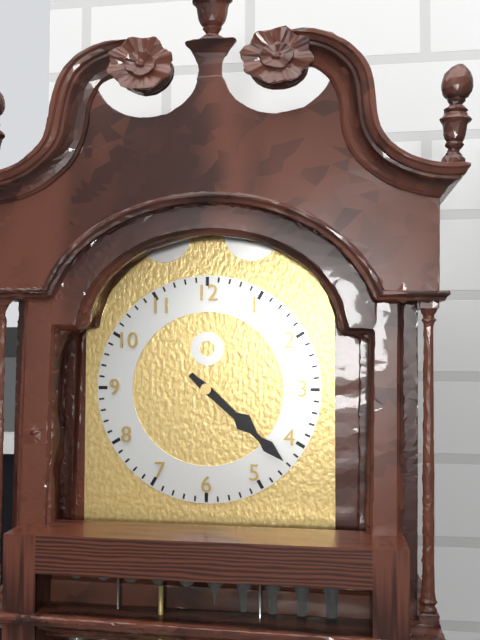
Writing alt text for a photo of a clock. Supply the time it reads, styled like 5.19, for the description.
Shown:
4.22
